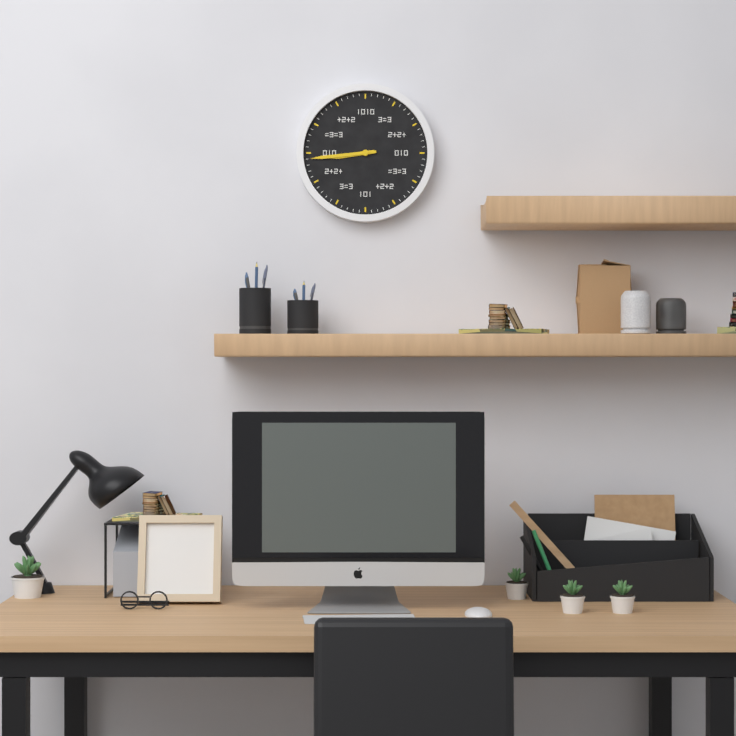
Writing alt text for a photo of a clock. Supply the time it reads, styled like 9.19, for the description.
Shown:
8.44
